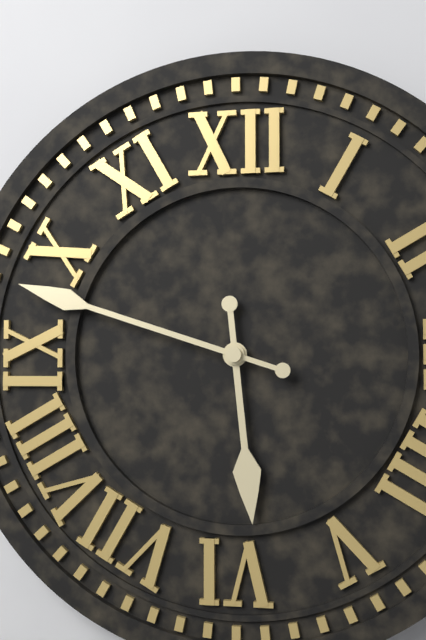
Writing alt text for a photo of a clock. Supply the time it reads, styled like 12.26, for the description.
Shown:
5.48
